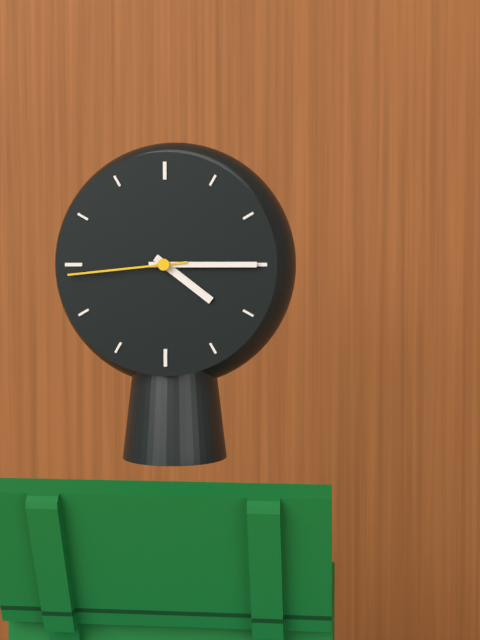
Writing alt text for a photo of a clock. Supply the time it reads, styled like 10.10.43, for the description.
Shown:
4.15.44
